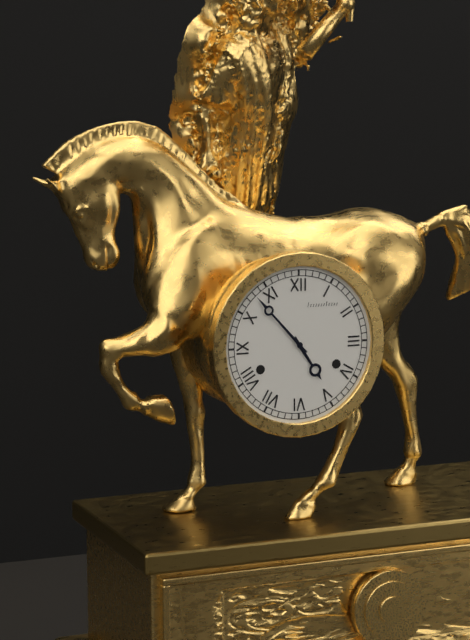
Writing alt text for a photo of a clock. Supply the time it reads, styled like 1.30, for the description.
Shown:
4.53
